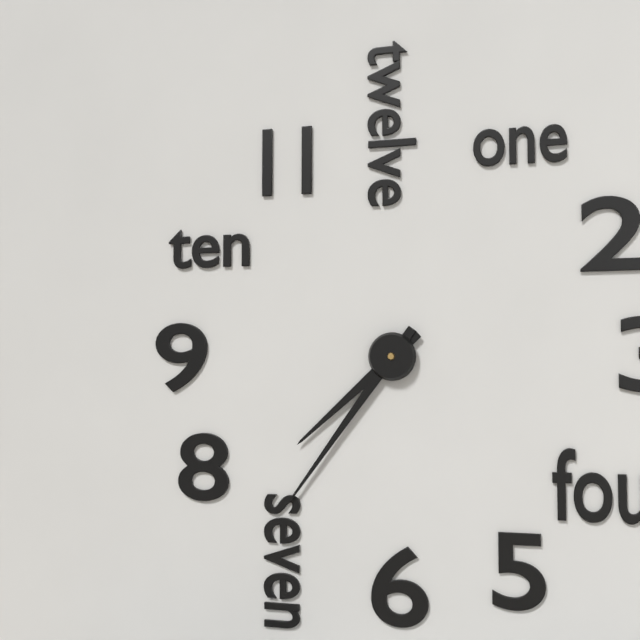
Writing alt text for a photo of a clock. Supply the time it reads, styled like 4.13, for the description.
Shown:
7.36
